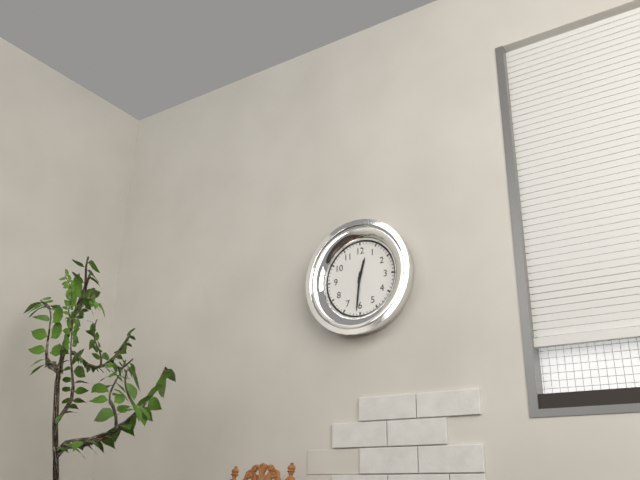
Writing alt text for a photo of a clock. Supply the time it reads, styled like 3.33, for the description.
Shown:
12.31
